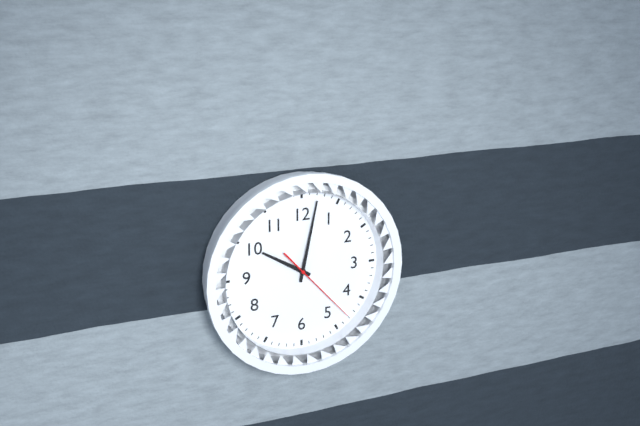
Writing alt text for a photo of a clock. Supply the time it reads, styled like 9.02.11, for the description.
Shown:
10.02.23
